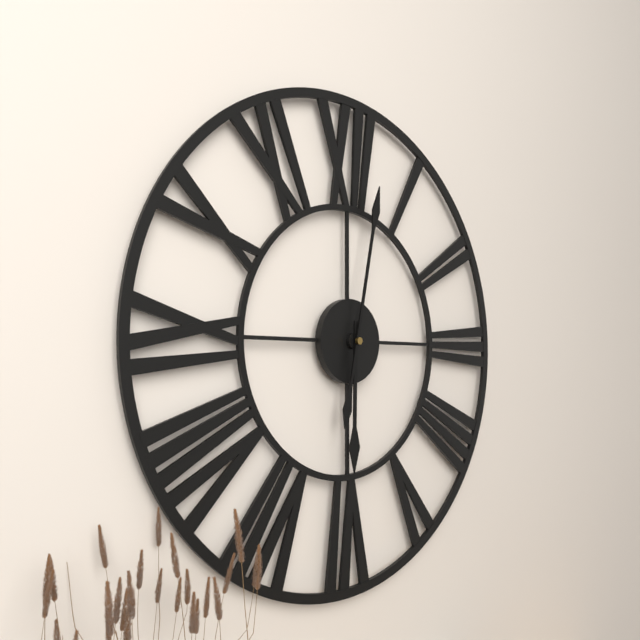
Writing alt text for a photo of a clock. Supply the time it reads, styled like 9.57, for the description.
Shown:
6.02
